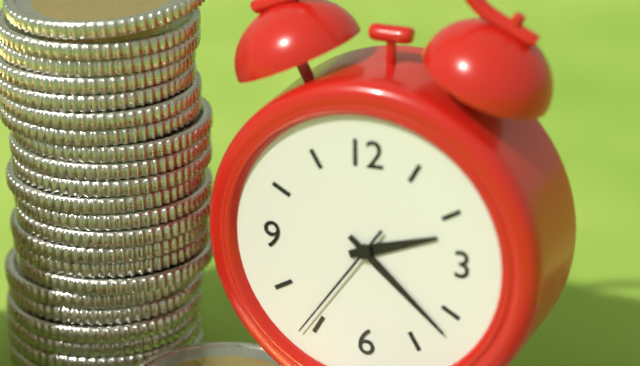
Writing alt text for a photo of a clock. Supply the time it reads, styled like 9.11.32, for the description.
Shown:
2.22.36
